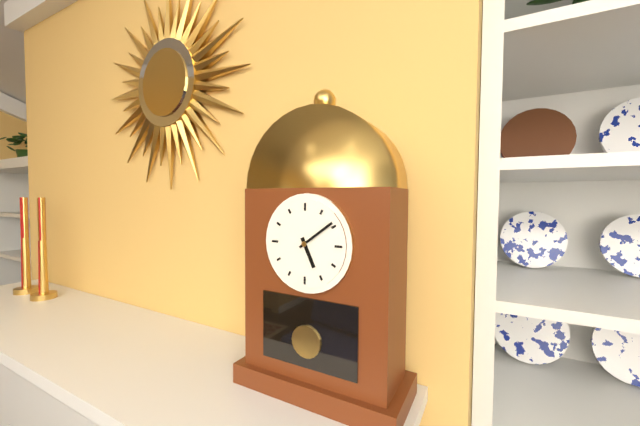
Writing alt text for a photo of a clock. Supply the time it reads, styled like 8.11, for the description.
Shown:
5.09
